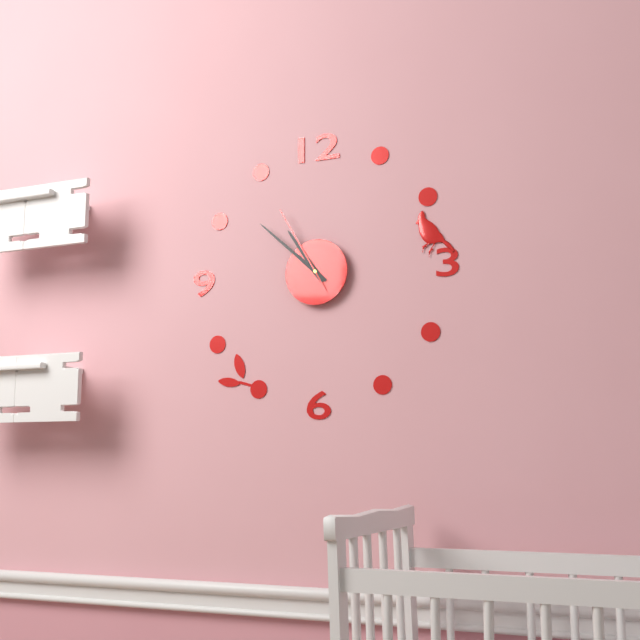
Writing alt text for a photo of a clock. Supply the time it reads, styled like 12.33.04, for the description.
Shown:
10.52.55
